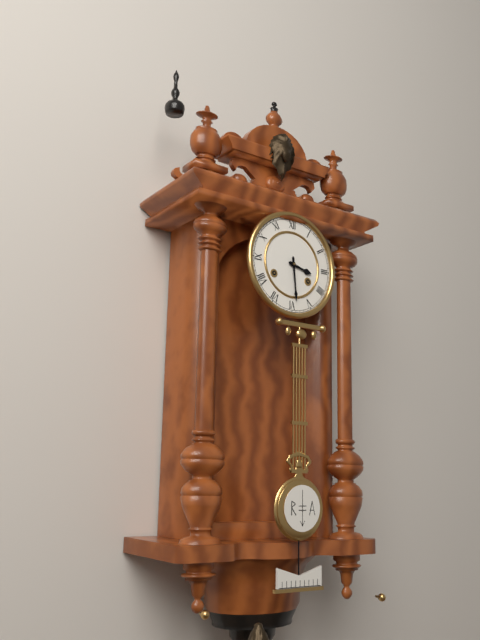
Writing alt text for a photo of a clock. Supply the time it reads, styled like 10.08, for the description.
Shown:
3.29
